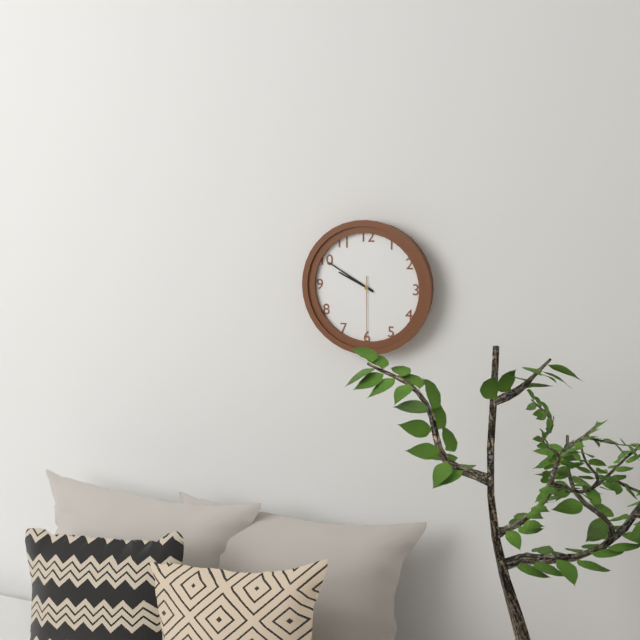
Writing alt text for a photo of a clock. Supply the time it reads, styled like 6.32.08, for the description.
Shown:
9.50.30
